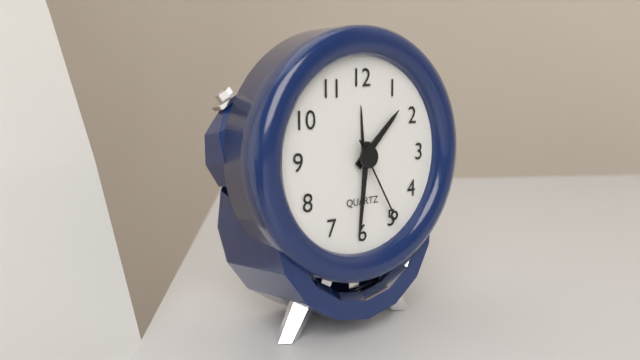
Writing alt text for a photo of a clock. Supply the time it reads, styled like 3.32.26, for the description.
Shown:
1.31.25
